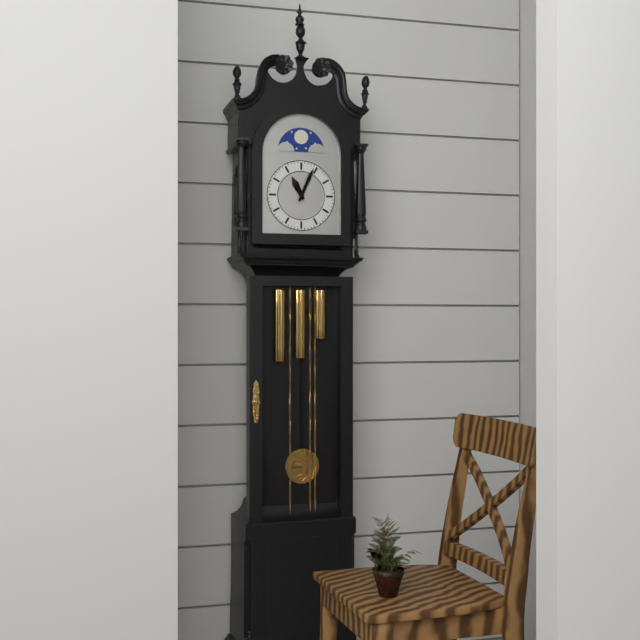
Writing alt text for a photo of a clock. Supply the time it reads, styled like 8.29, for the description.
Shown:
11.04
